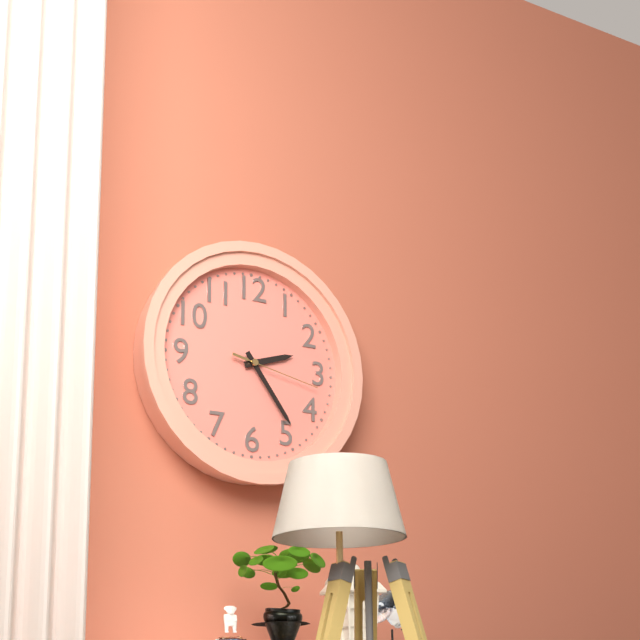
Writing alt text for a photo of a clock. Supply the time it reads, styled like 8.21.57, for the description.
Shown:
2.24.17
